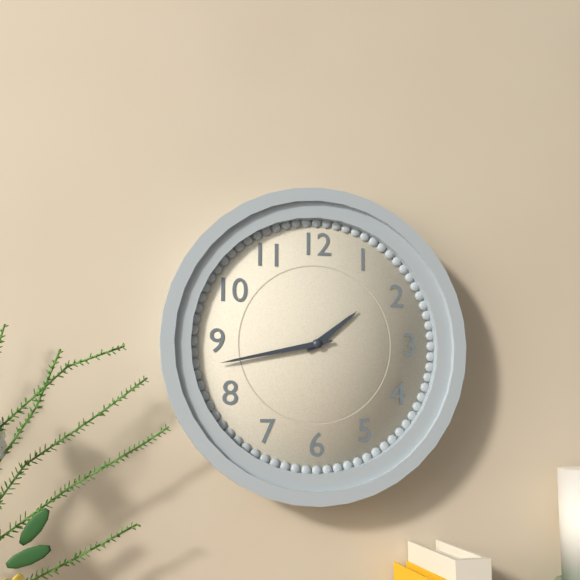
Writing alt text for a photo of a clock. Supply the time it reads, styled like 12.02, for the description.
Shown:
1.43
